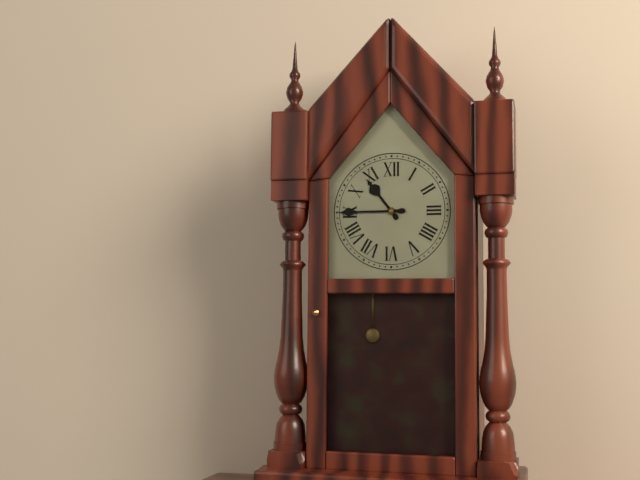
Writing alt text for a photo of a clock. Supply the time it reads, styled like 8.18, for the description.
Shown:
10.45
